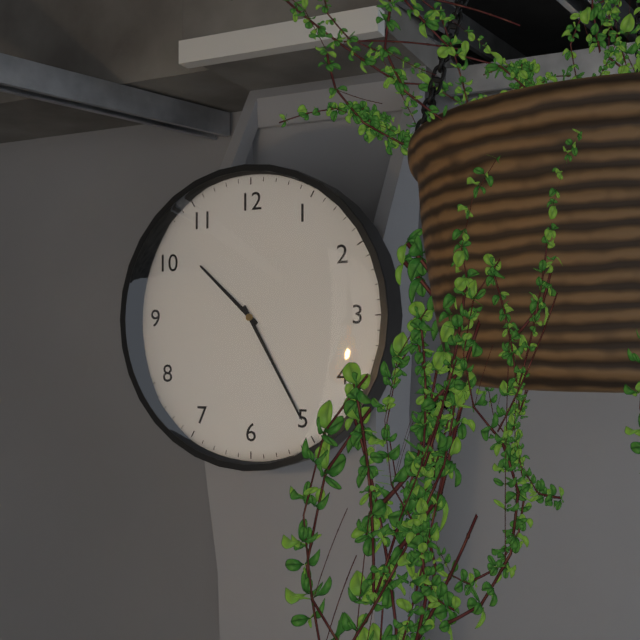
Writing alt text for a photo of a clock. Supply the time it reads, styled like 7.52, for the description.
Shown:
10.25
